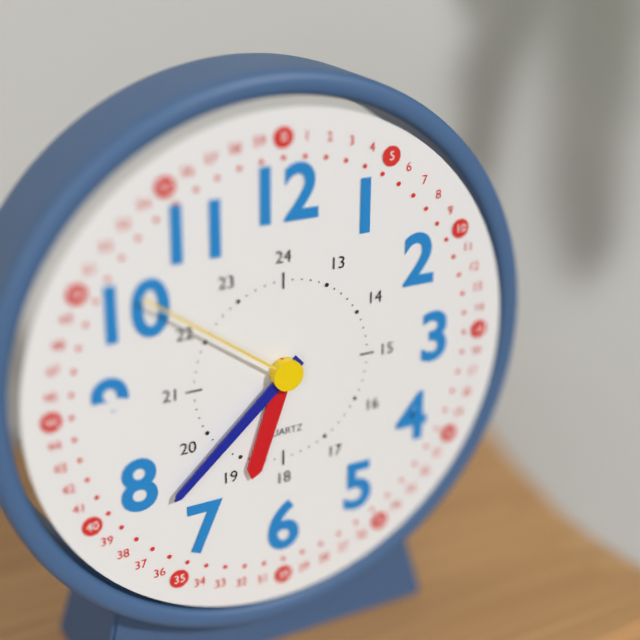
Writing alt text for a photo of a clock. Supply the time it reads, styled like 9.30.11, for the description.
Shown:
6.38.51
